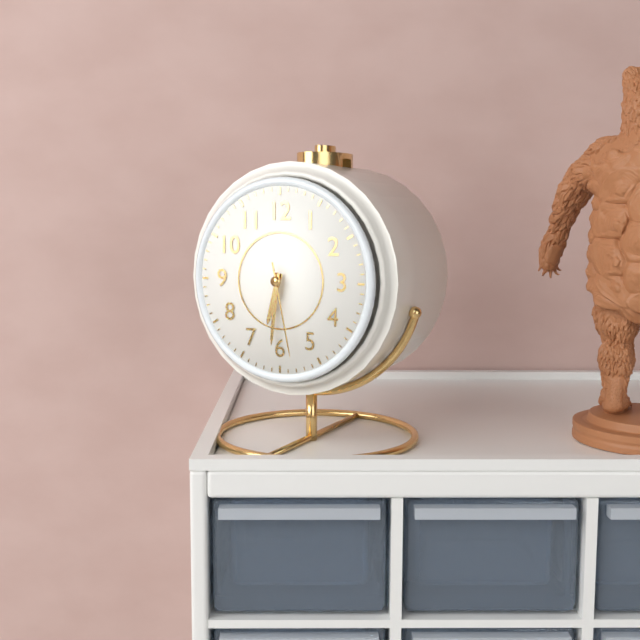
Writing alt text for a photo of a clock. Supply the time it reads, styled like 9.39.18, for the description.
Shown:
6.31.28
